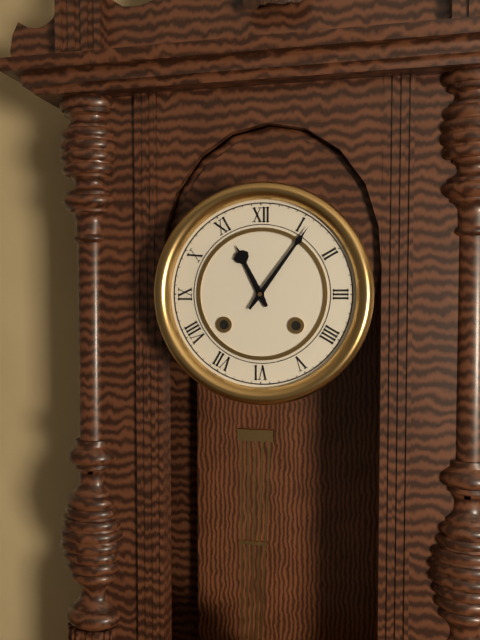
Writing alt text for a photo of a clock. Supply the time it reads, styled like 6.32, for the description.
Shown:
11.06
